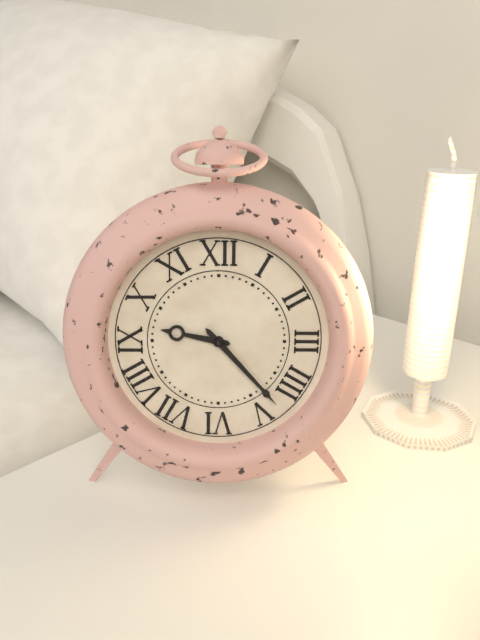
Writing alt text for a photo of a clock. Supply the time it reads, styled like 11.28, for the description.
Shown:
9.23
